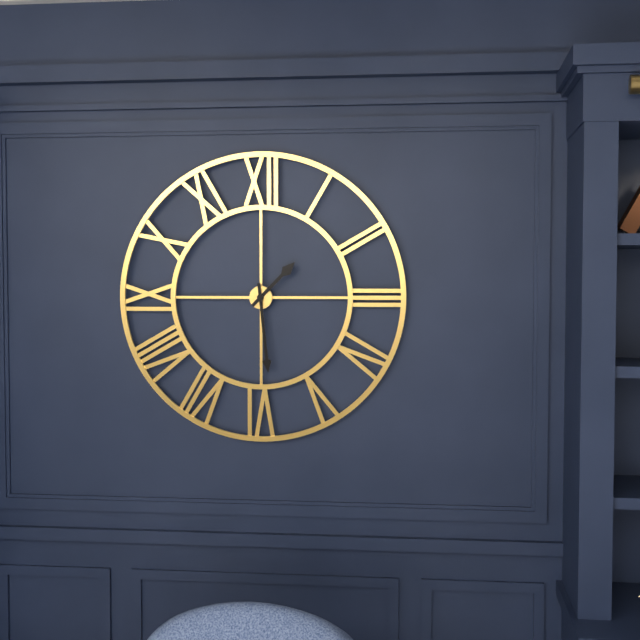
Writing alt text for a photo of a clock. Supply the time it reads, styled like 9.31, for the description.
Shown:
1.29
